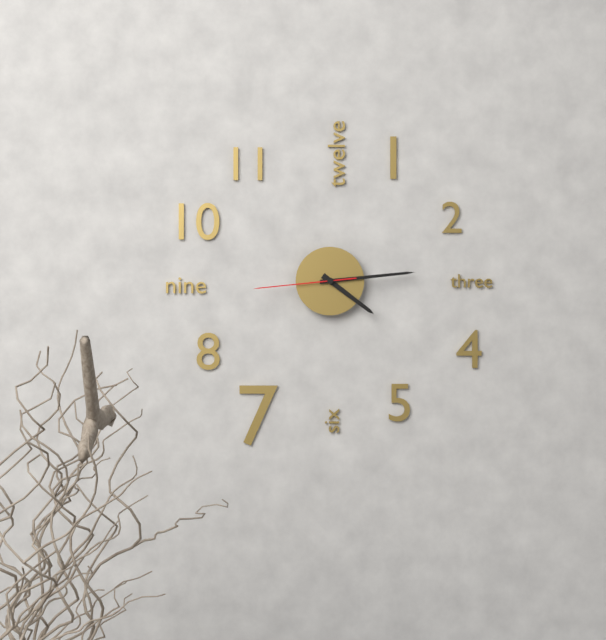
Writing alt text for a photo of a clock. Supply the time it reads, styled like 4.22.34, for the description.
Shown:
4.14.44
